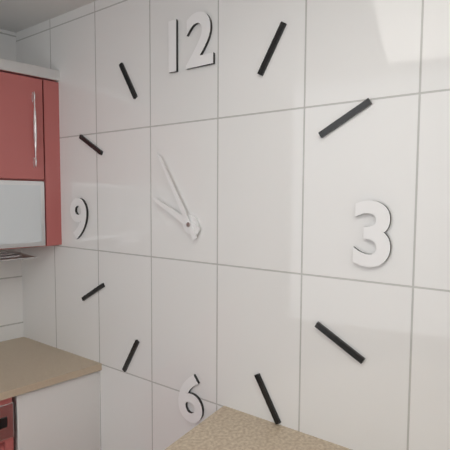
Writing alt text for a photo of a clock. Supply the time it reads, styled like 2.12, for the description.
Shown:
9.55
